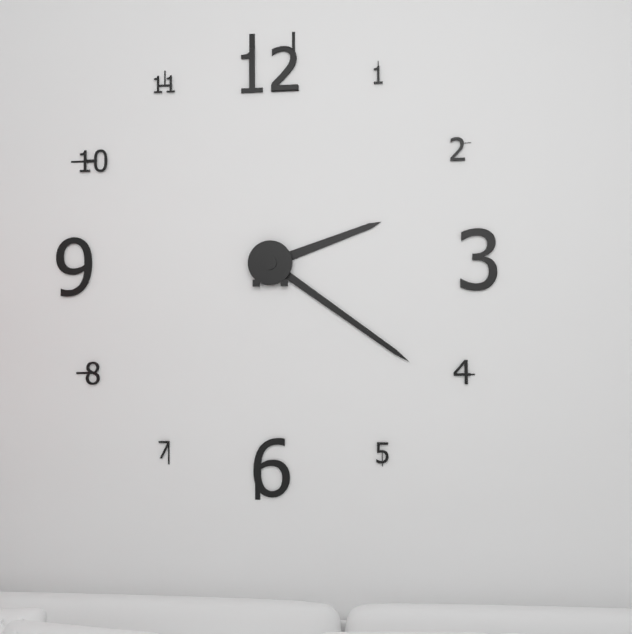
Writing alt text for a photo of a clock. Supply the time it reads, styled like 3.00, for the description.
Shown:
2.21
